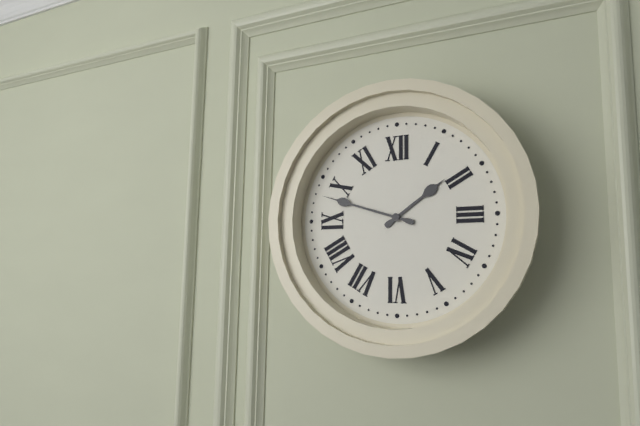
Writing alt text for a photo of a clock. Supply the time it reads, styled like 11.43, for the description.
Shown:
1.48
